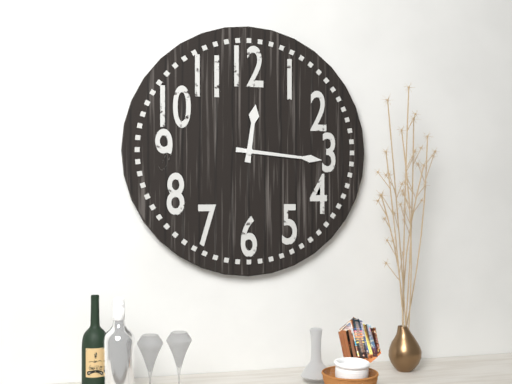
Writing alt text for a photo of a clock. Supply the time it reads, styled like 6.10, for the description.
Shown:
12.16
